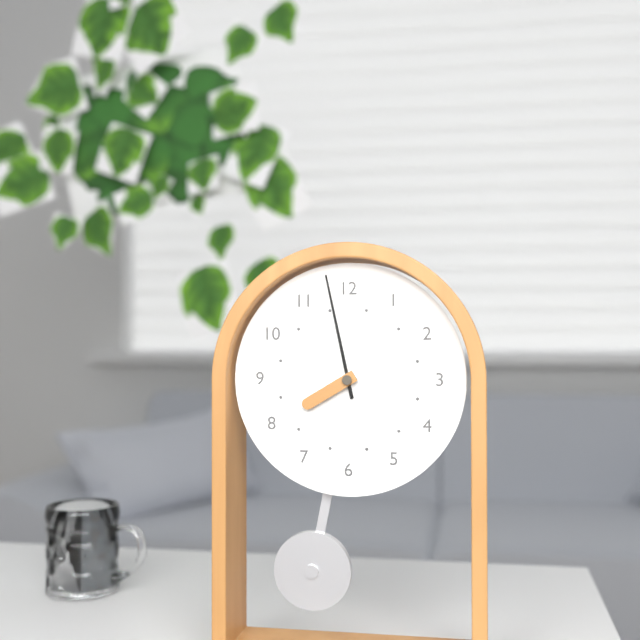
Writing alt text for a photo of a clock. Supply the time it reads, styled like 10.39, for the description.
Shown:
7.58
